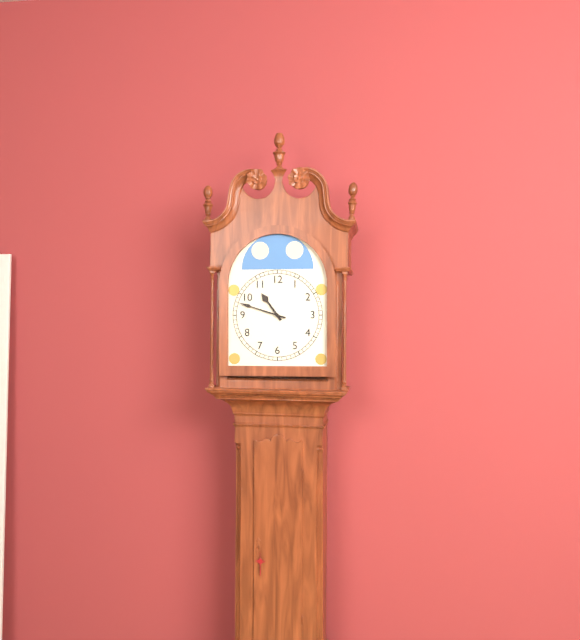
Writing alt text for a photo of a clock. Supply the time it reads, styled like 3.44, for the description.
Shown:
10.48
